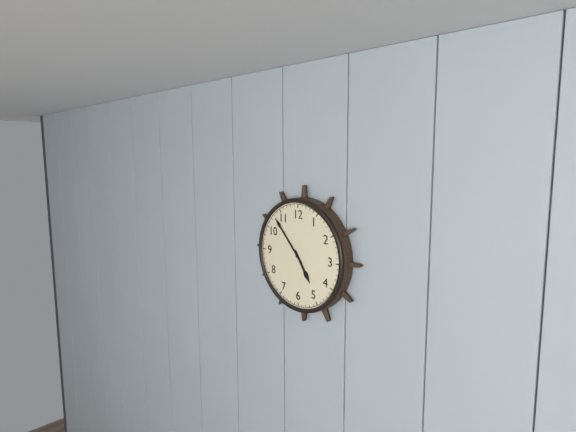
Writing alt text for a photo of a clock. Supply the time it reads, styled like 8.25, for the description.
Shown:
4.53
